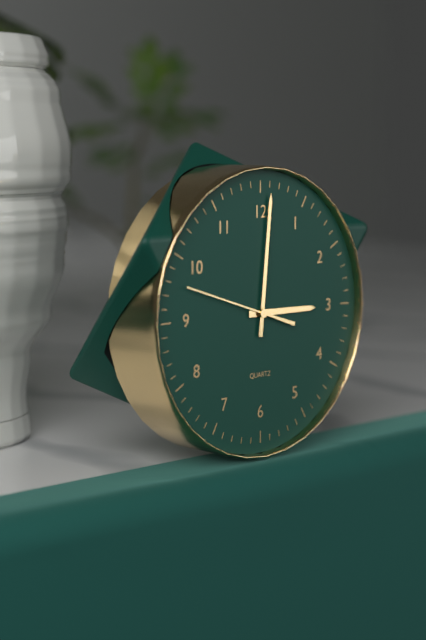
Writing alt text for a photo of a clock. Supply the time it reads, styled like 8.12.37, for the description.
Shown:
3.01.48
